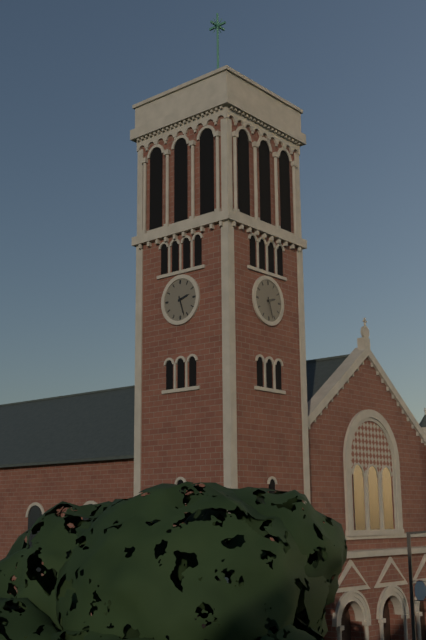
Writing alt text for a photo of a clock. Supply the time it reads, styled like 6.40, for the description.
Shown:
2.27
